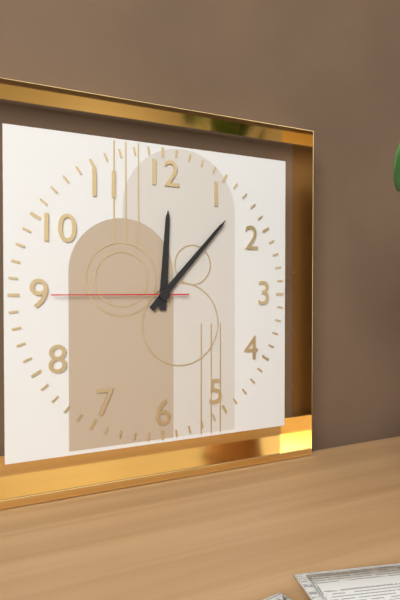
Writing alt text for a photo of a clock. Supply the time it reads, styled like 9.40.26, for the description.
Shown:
12.07.45
